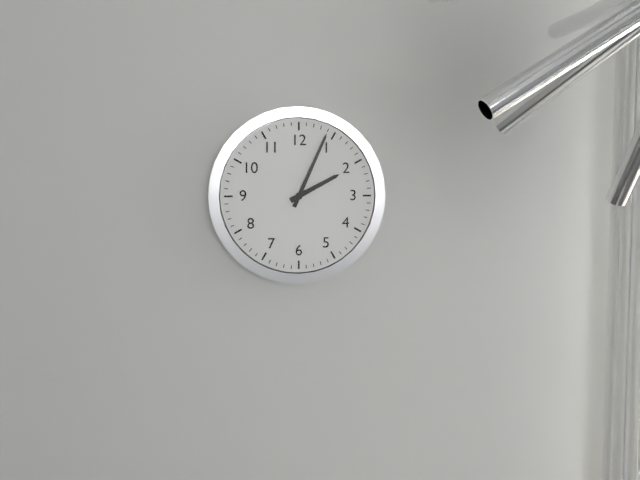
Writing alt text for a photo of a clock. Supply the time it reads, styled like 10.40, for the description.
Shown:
2.04
